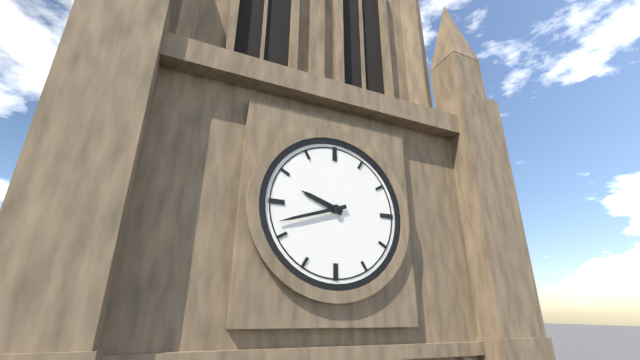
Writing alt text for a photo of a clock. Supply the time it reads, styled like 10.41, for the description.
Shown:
9.42
